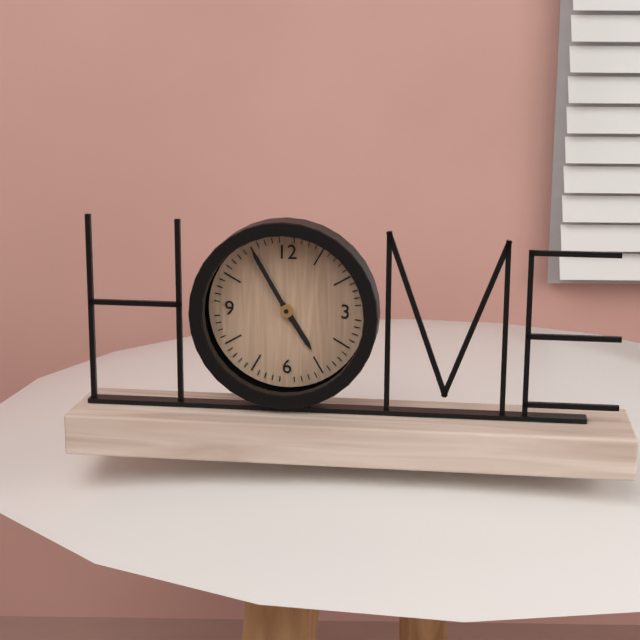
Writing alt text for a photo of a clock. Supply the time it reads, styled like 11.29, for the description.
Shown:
4.55
